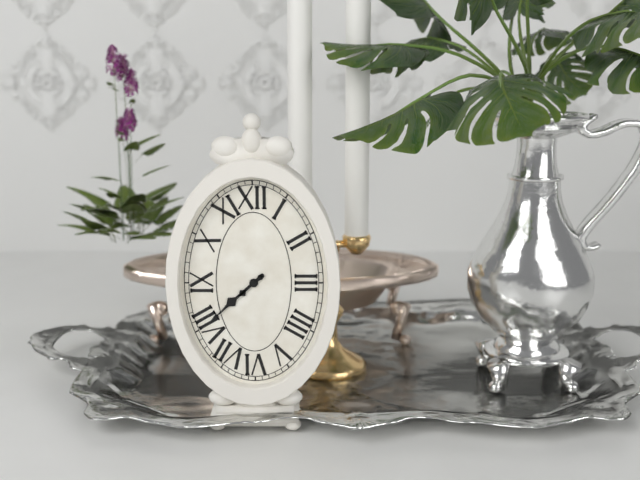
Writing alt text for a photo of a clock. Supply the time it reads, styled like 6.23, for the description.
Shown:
7.38
